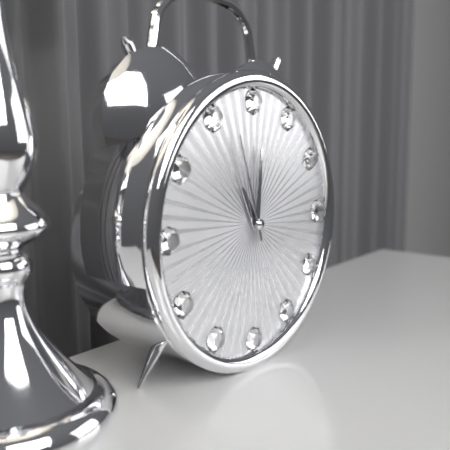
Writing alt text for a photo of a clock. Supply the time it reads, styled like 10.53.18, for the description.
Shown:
11.01.57
